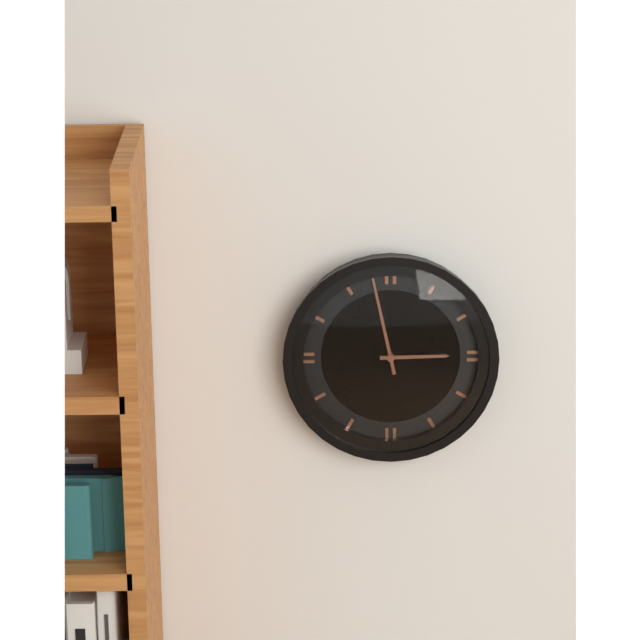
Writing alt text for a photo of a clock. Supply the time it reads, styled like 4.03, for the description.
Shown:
2.58
